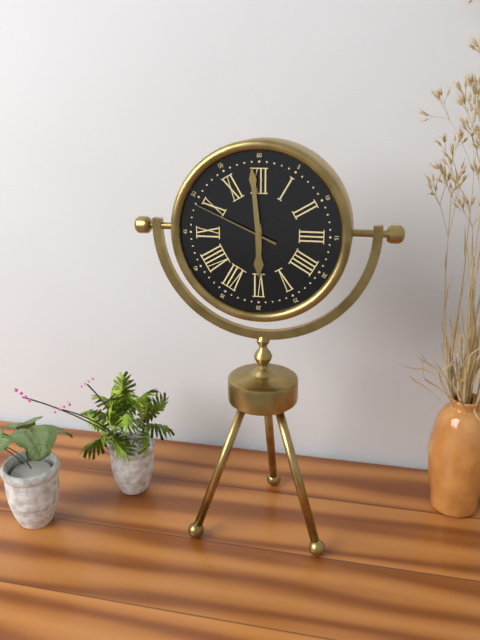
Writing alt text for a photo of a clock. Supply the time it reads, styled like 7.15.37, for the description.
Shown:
5.59.49
